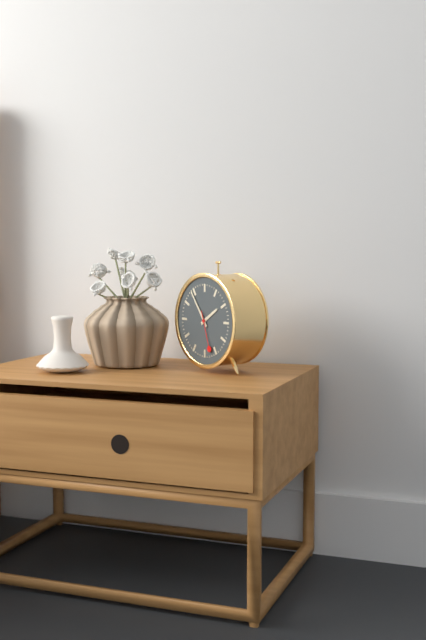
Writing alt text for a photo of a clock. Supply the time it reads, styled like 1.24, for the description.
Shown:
1.54
